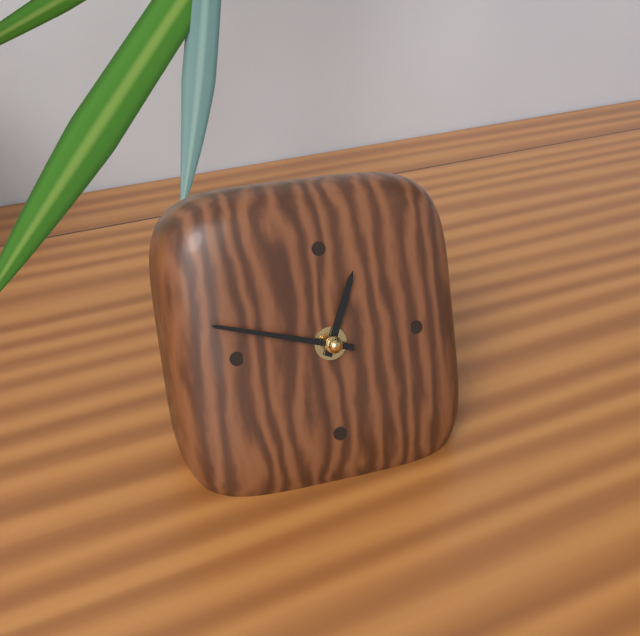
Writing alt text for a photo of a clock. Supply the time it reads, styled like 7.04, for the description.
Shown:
12.48
